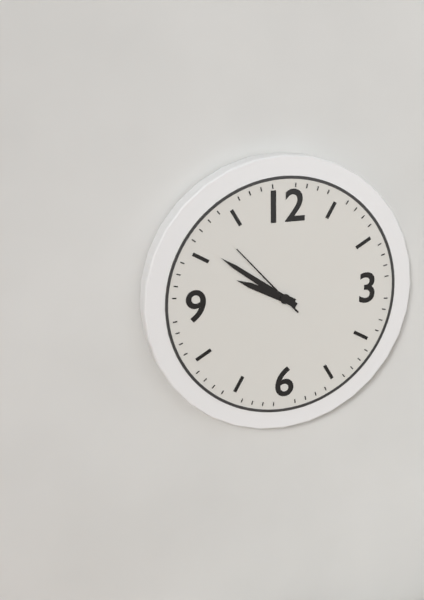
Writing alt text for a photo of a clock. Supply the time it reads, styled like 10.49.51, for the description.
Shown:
9.51.53
